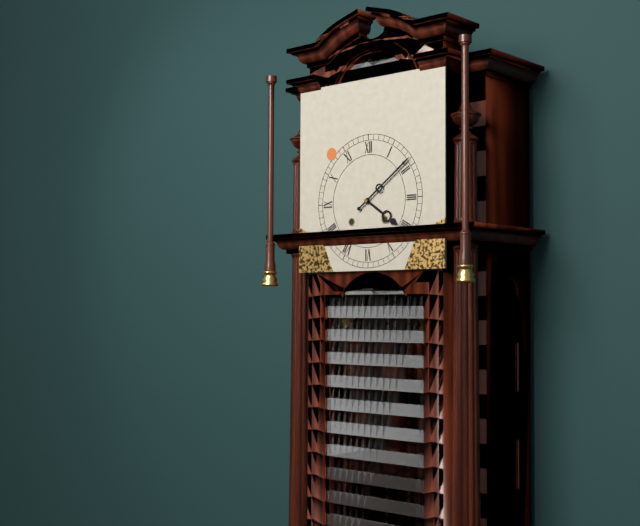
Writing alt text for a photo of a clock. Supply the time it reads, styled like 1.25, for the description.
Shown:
4.09
